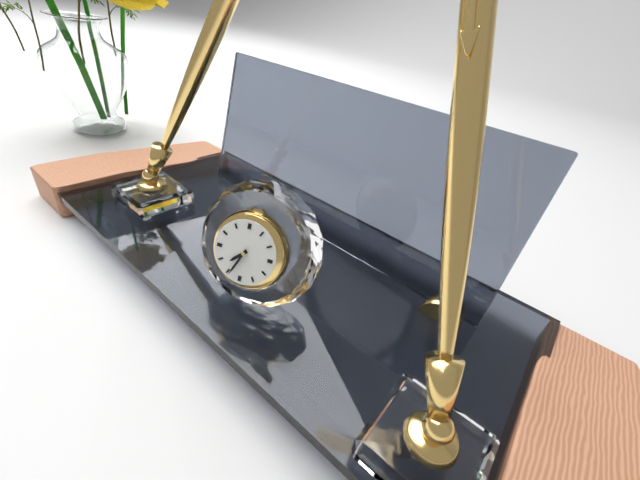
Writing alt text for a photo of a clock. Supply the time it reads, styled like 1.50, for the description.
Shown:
7.34
